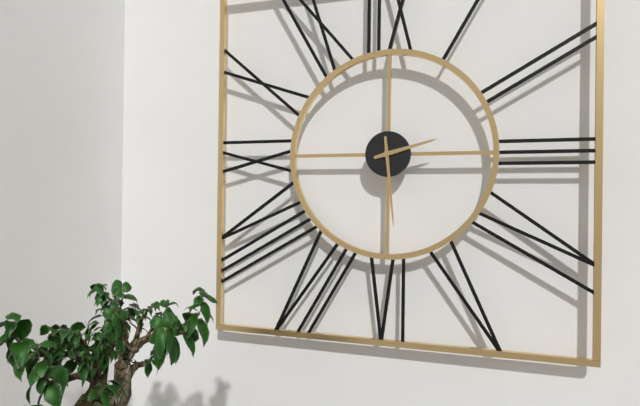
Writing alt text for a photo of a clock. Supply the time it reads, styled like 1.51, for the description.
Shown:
2.29
